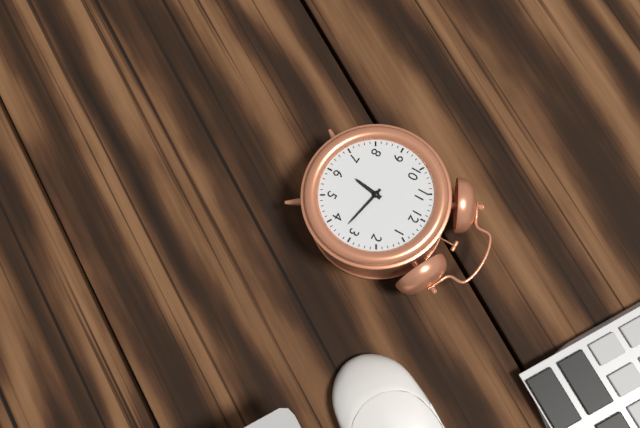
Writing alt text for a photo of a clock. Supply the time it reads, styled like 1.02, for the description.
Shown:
6.17
